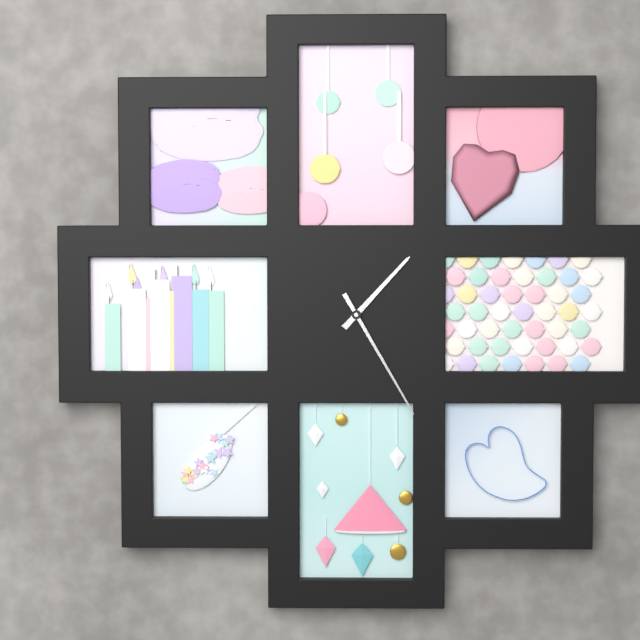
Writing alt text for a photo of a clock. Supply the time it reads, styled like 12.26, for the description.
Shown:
1.25
